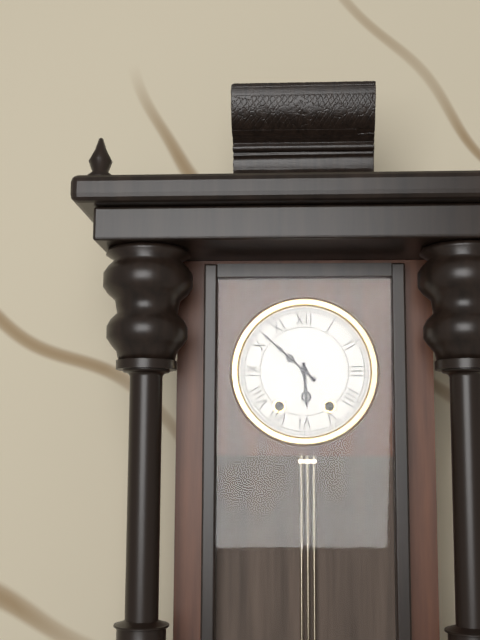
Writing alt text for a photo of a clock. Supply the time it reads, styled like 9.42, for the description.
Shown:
5.52
